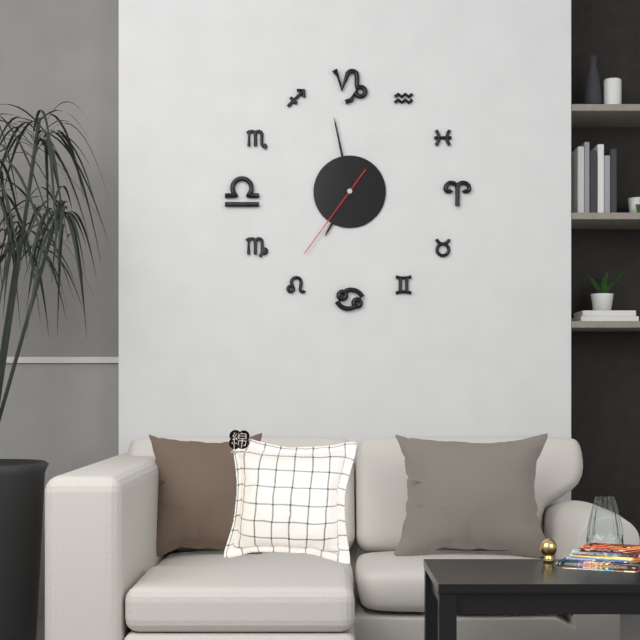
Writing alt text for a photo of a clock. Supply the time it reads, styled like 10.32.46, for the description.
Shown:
6.58.36
